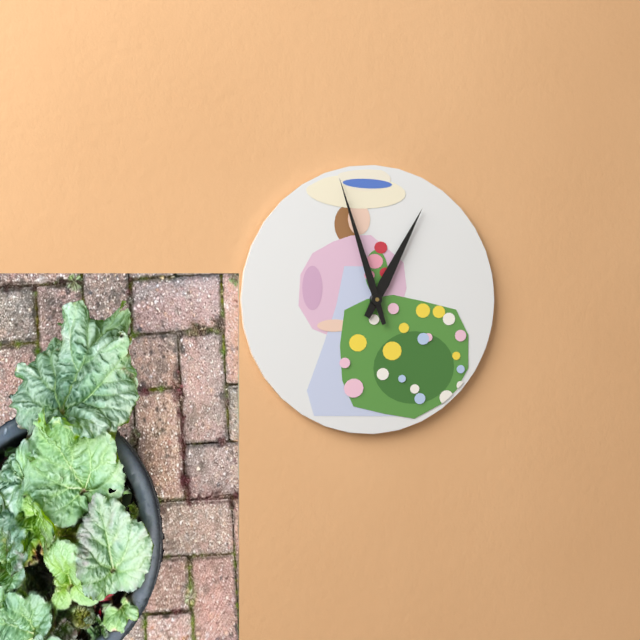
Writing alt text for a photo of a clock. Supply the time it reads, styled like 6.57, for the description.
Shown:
12.57
